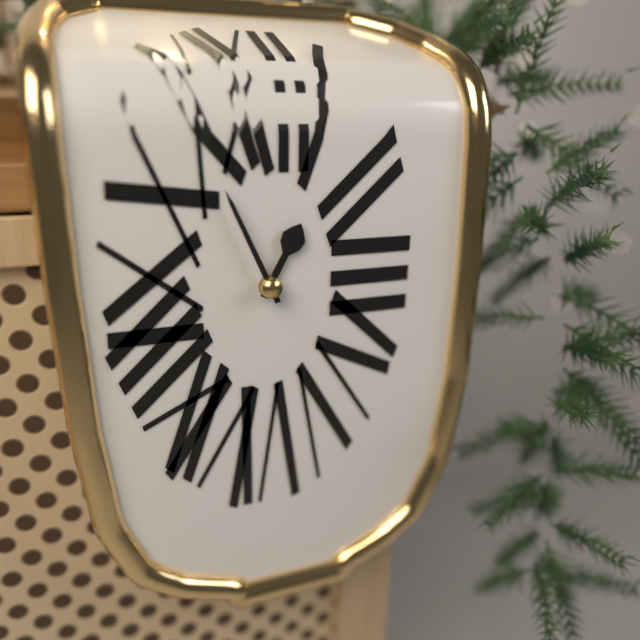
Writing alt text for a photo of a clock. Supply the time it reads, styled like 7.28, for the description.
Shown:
12.56
